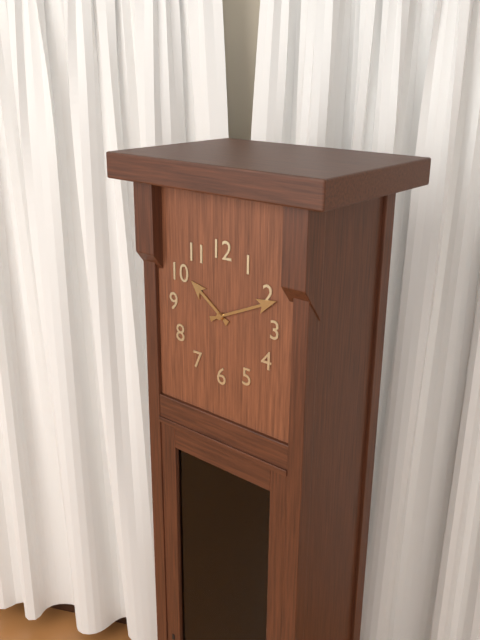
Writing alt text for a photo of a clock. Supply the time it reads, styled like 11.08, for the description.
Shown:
10.11
